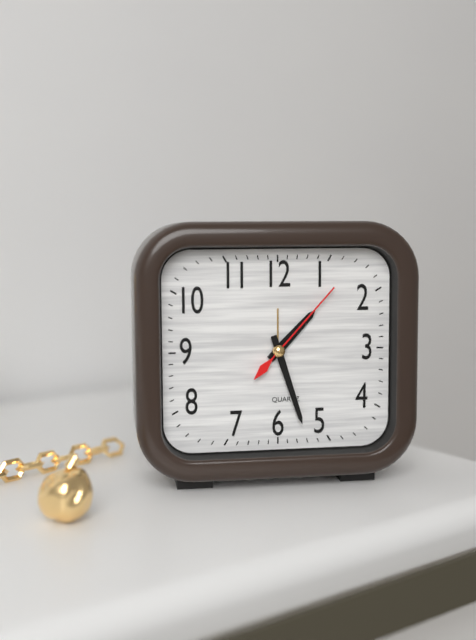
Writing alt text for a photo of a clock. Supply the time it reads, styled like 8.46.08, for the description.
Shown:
1.27.07
